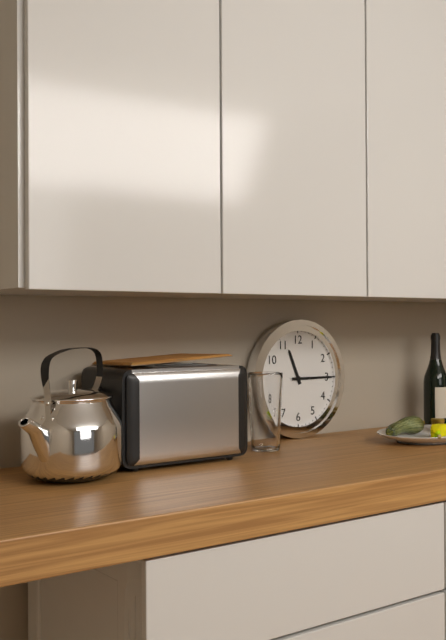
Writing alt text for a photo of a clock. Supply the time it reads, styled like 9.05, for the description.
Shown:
11.15
